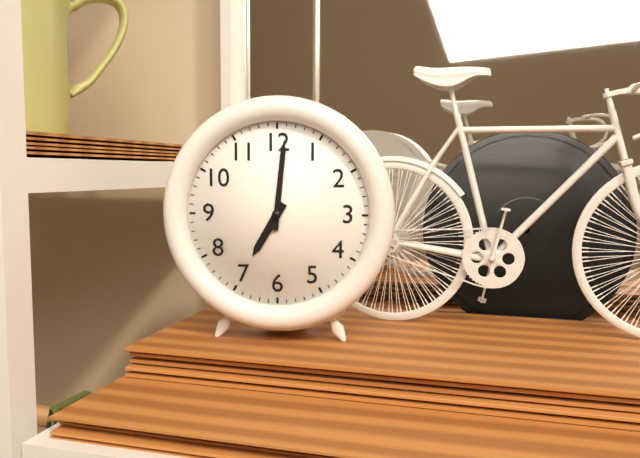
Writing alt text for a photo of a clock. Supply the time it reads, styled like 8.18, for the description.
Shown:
7.01
